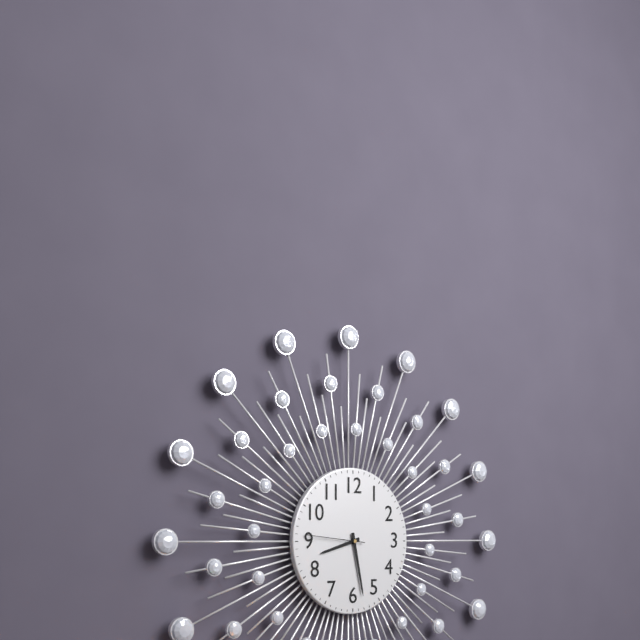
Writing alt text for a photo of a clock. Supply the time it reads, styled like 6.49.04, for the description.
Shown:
8.28.46
